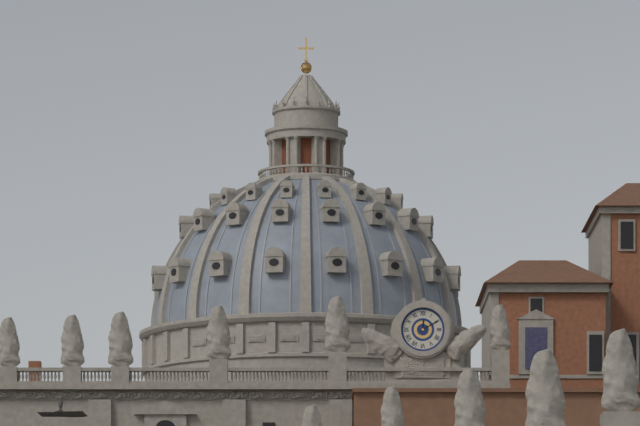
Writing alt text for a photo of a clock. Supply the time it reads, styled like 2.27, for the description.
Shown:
12.10
